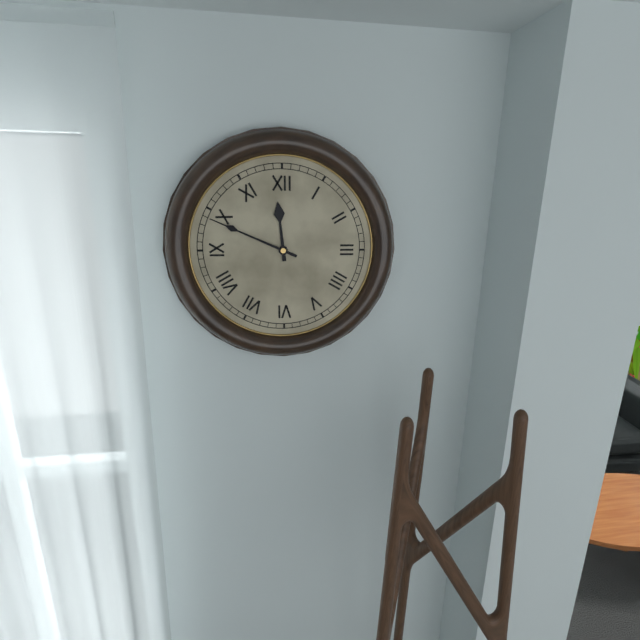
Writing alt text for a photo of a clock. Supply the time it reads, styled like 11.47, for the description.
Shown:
11.49
